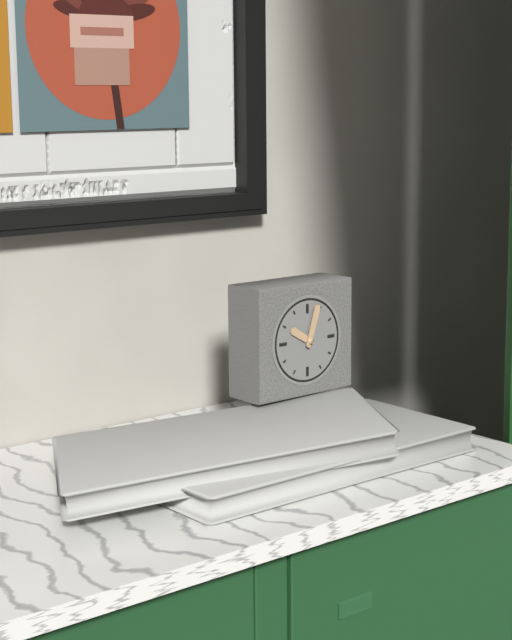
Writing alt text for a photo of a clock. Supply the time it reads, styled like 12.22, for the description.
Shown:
10.03
